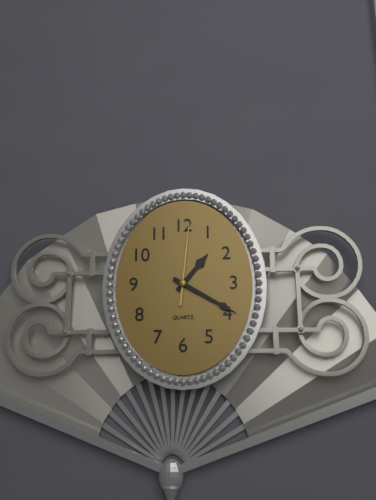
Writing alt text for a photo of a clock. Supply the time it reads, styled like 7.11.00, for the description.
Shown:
1.20.01
